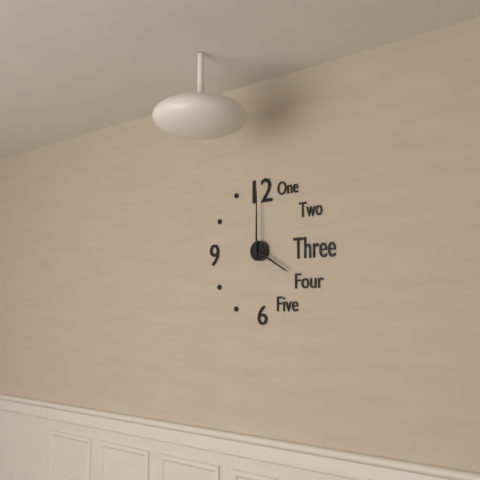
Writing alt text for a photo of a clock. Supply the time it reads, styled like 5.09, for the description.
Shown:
4.00
